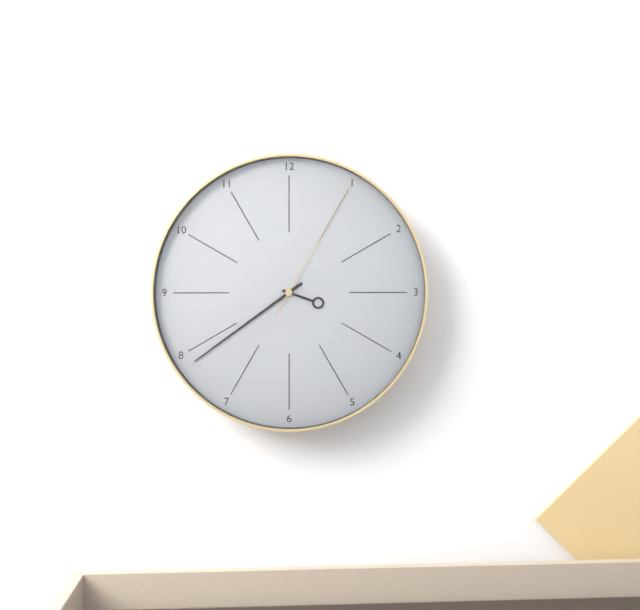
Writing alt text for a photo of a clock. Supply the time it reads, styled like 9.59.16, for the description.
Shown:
3.39.05
